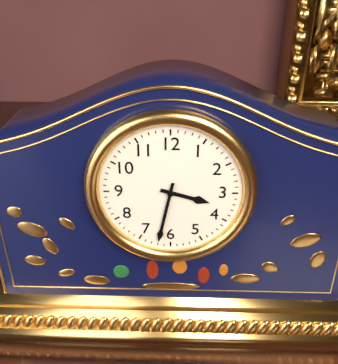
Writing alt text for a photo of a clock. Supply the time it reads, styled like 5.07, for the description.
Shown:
3.32
